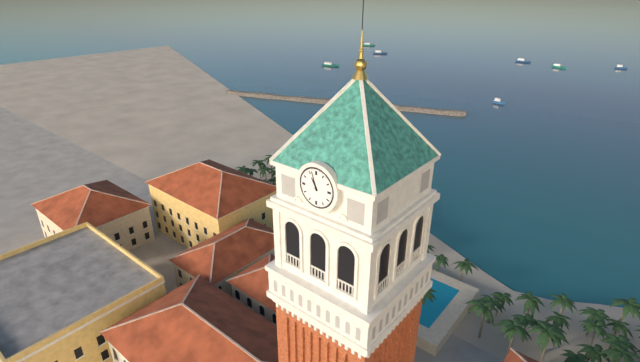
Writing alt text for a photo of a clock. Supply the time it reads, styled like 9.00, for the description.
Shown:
10.57
